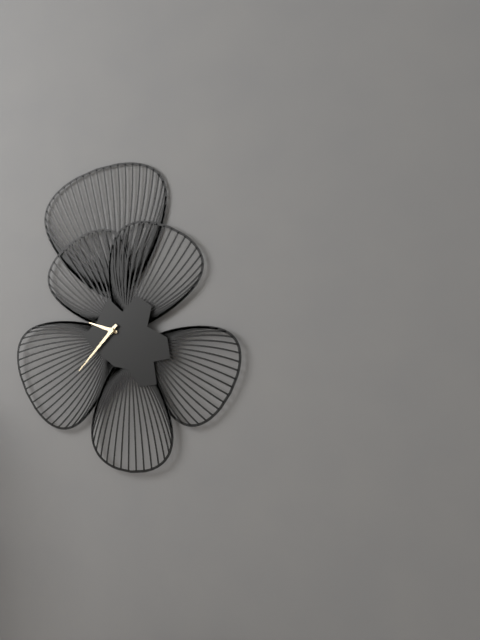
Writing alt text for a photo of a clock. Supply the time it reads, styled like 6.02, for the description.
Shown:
9.37
